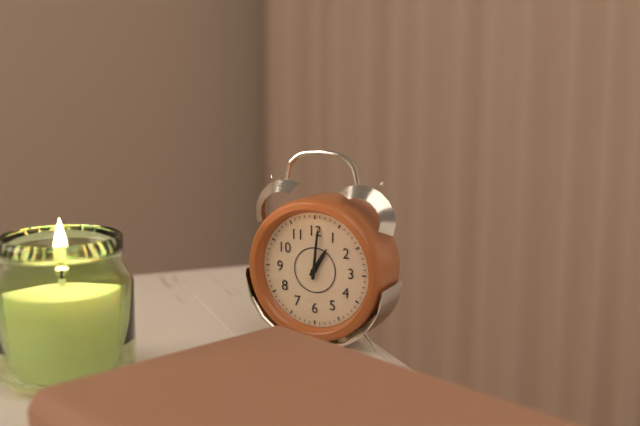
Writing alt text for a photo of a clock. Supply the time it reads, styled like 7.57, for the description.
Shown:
1.01
